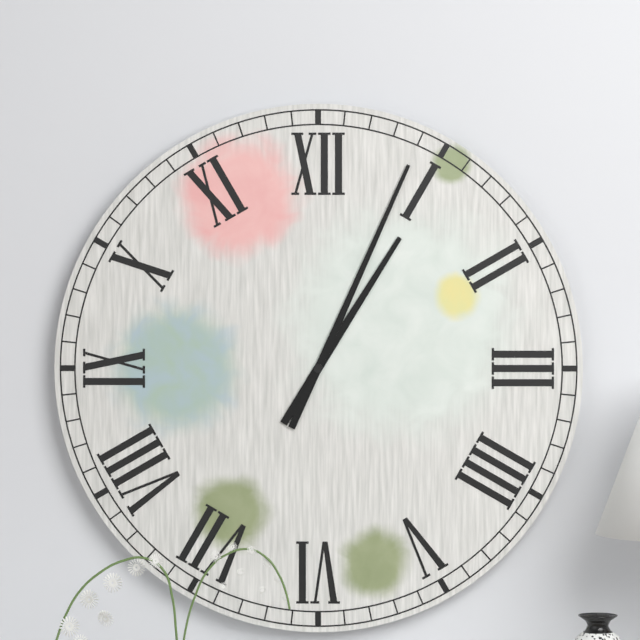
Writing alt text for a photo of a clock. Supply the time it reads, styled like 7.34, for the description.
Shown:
1.04
